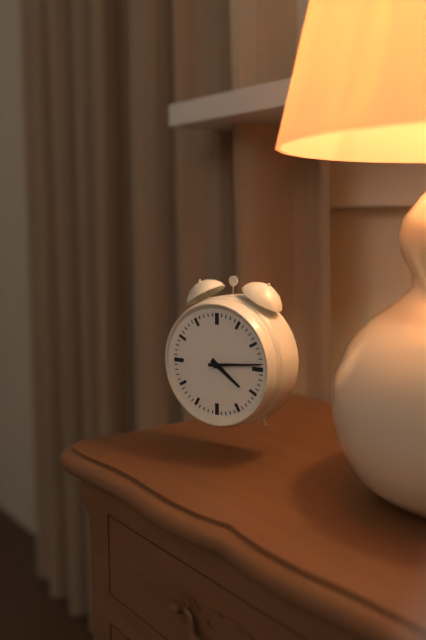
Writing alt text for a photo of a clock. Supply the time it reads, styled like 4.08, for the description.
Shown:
4.14
